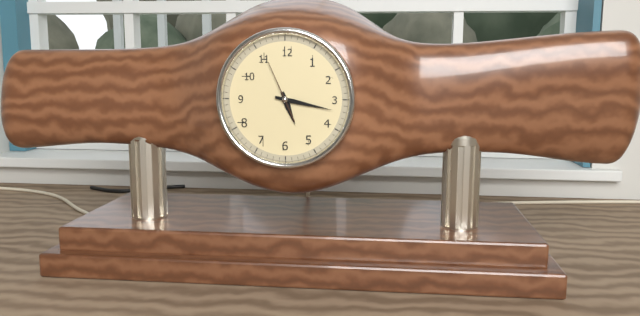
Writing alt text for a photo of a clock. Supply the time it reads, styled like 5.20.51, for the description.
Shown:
5.17.56
